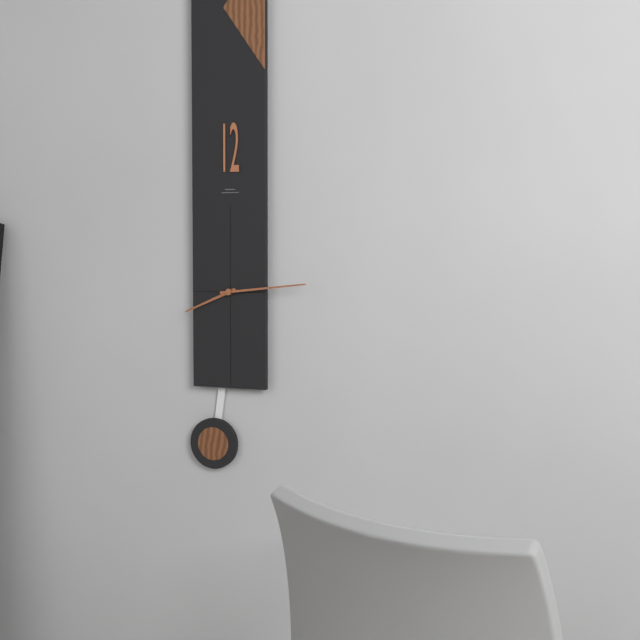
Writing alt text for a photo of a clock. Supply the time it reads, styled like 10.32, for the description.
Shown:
8.14
